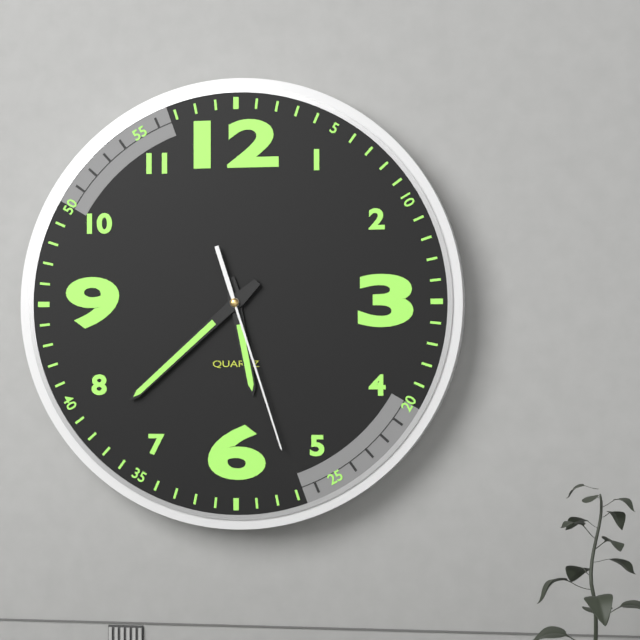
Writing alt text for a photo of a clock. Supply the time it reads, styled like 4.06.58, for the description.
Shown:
5.38.27
